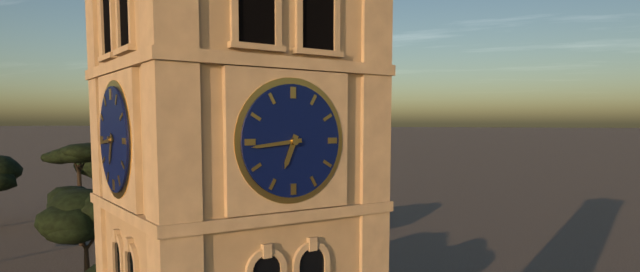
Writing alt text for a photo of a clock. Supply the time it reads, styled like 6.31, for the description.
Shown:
6.44
